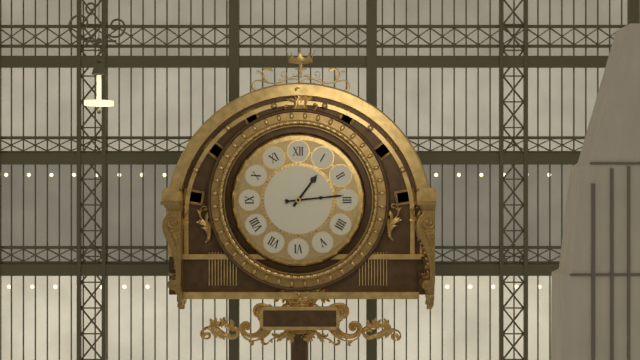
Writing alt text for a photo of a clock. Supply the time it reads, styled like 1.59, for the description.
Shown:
1.14
